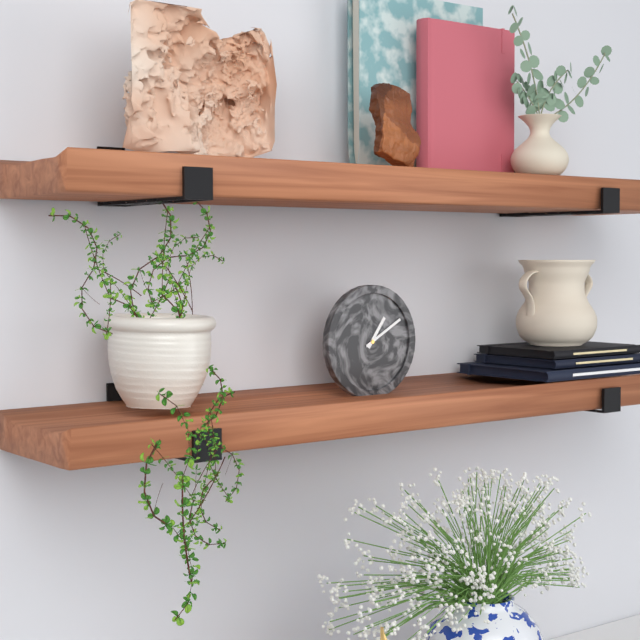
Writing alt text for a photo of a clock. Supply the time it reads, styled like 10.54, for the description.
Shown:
1.10
